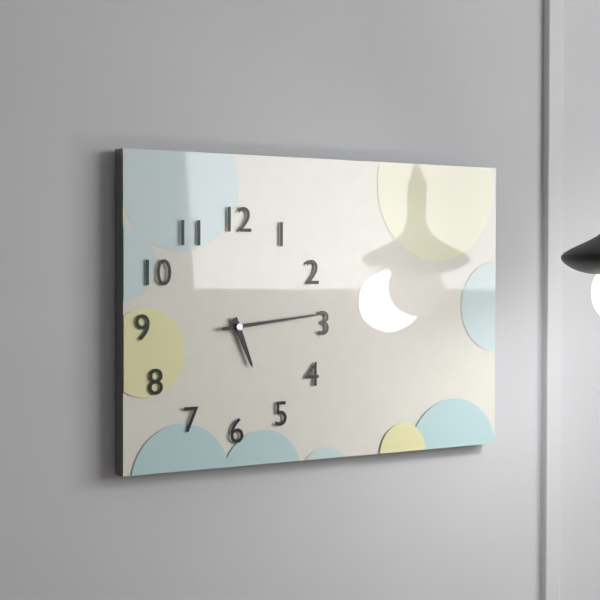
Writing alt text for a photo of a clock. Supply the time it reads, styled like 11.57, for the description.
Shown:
5.14
